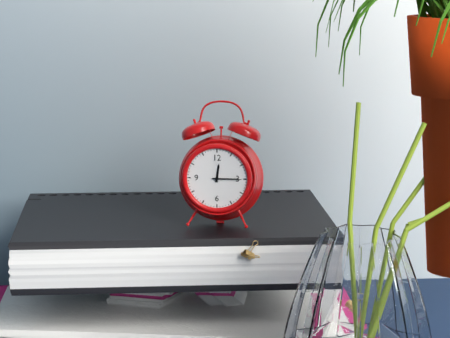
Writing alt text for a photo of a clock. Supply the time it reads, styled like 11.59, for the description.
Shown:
12.15
